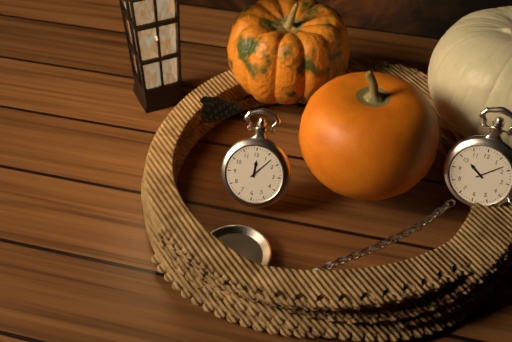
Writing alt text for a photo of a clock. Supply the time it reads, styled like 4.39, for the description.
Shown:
12.07
